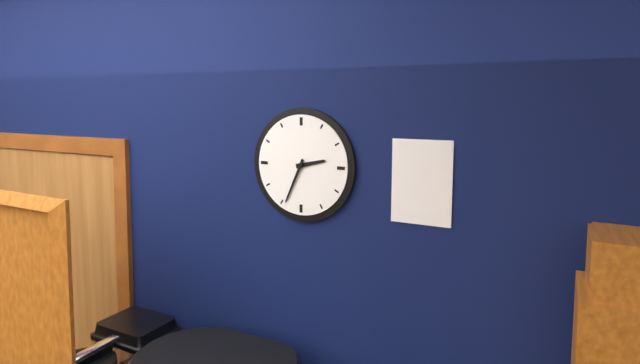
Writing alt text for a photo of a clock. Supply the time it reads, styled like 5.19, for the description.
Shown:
2.34
